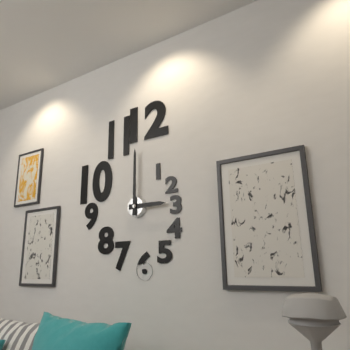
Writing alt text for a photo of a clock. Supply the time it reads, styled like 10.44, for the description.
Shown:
3.00
